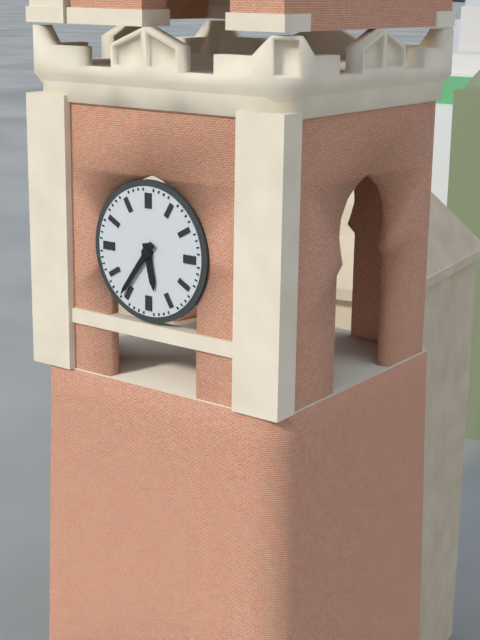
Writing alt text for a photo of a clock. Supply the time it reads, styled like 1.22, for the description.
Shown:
5.36
